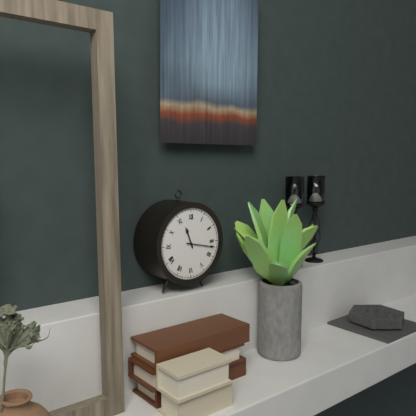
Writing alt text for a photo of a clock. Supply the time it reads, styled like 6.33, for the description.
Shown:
11.17
